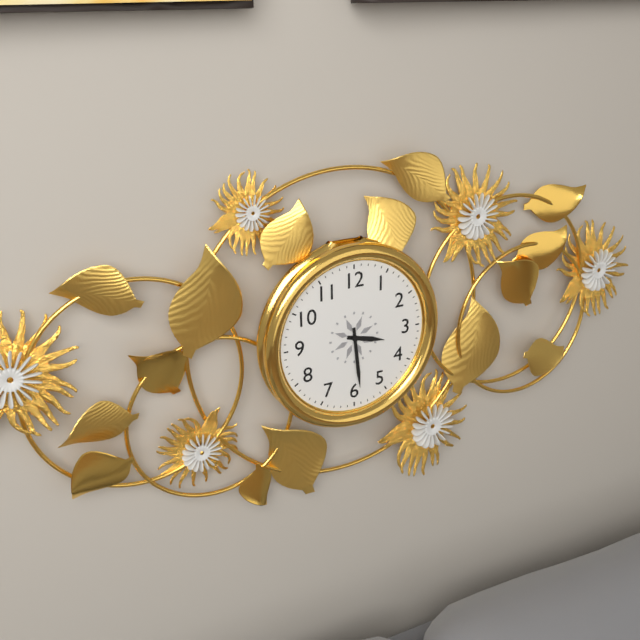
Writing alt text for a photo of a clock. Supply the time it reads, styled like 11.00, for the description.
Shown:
3.29
